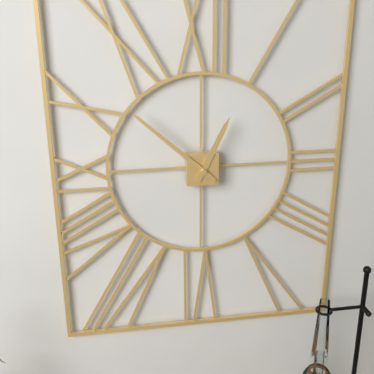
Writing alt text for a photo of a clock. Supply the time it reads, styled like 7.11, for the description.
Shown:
12.52
